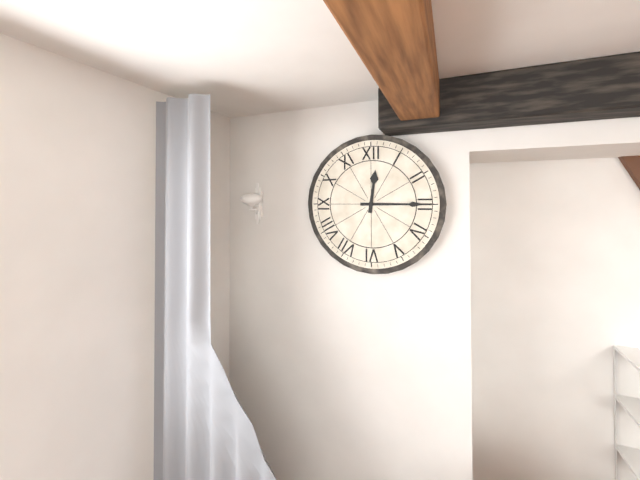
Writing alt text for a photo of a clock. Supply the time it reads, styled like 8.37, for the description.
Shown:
12.15
